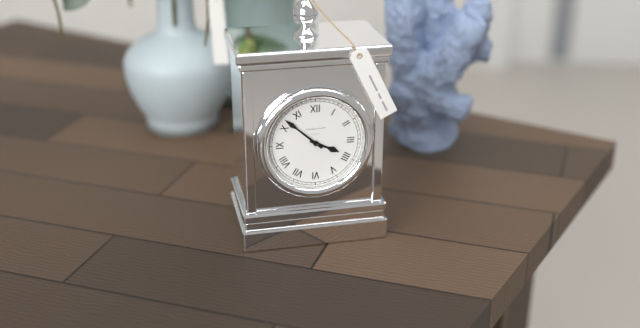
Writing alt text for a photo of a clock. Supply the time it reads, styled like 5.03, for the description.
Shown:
3.52
